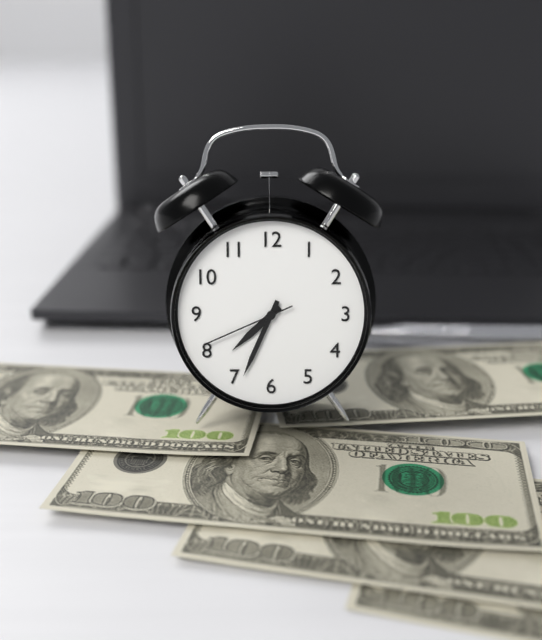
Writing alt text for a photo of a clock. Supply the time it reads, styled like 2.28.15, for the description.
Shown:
7.34.41
